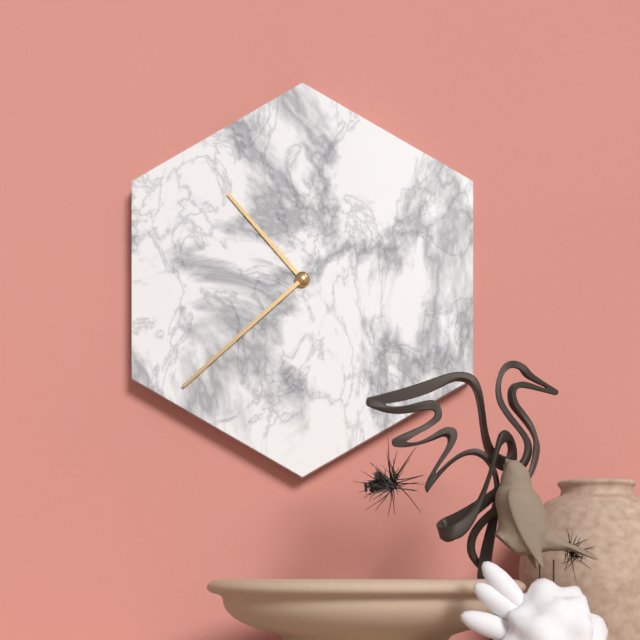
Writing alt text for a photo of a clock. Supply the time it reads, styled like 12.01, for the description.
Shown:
10.38
